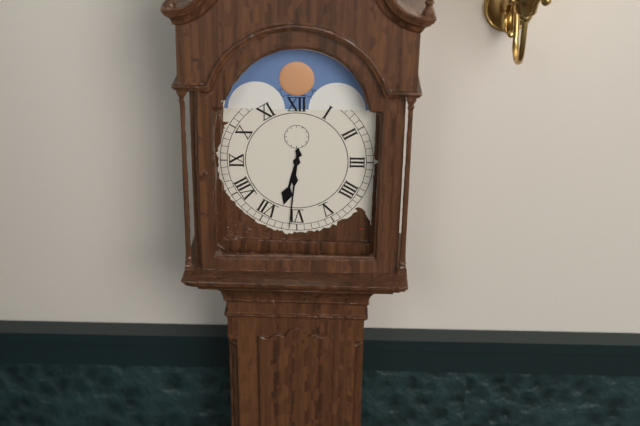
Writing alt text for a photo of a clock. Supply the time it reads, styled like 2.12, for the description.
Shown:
6.31
